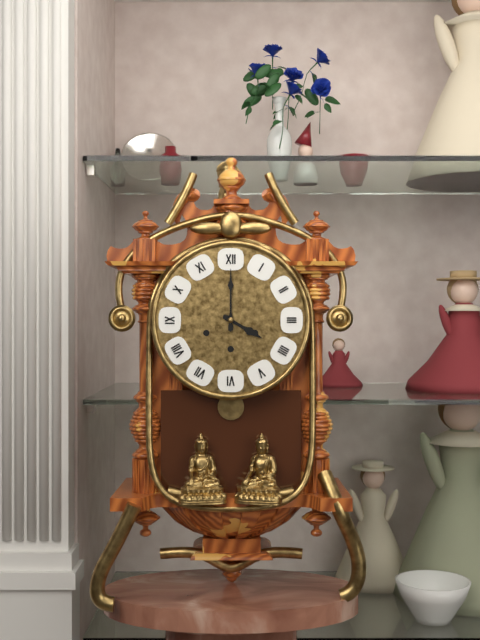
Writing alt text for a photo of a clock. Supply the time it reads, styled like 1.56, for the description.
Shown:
4.00
